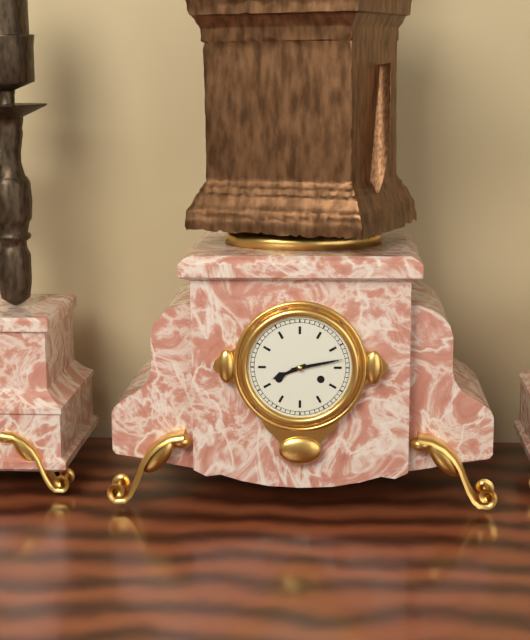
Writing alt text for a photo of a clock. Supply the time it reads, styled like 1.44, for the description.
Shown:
8.13
